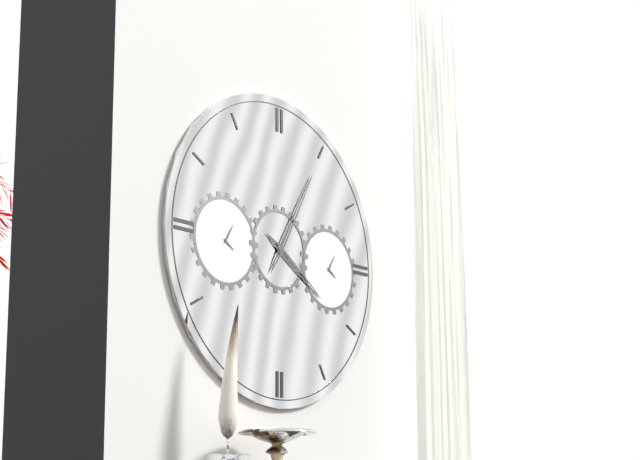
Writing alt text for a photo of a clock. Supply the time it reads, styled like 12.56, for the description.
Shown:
4.05
